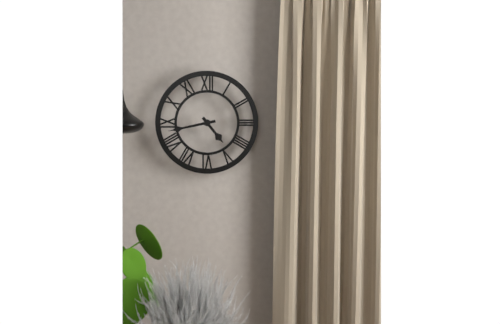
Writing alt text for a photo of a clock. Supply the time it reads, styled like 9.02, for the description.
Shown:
4.43
